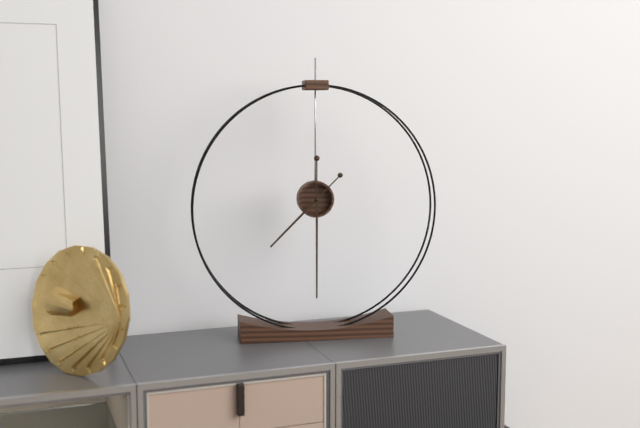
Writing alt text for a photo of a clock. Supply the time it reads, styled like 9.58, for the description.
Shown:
7.30
